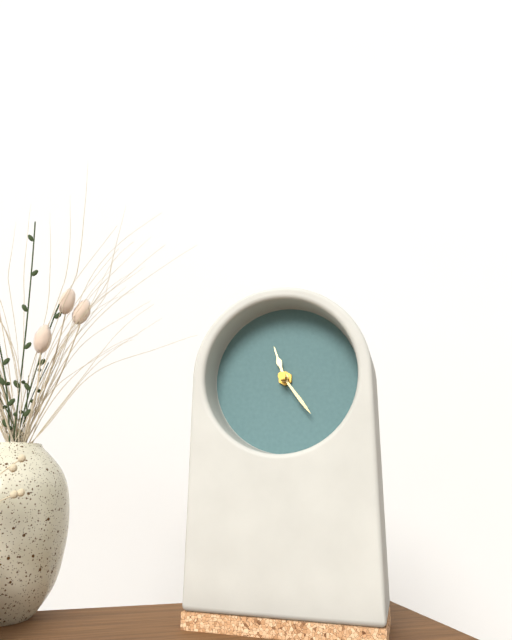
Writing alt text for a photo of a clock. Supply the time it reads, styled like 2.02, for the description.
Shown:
11.24
